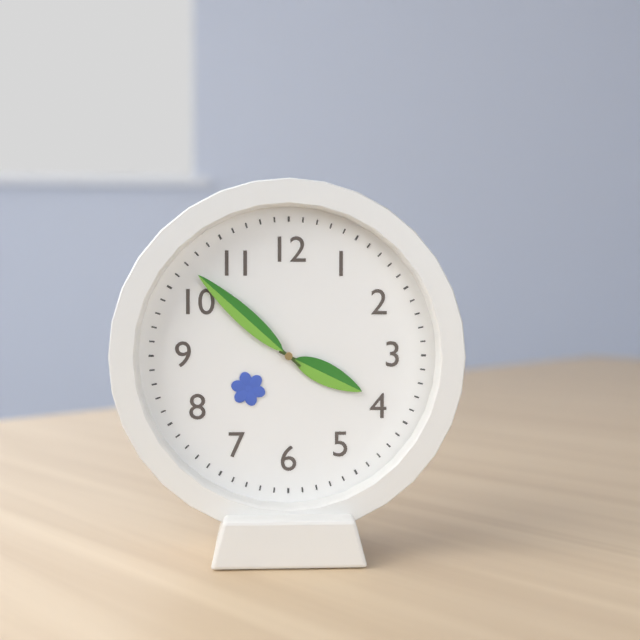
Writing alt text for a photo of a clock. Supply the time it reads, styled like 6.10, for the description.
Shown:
3.52
